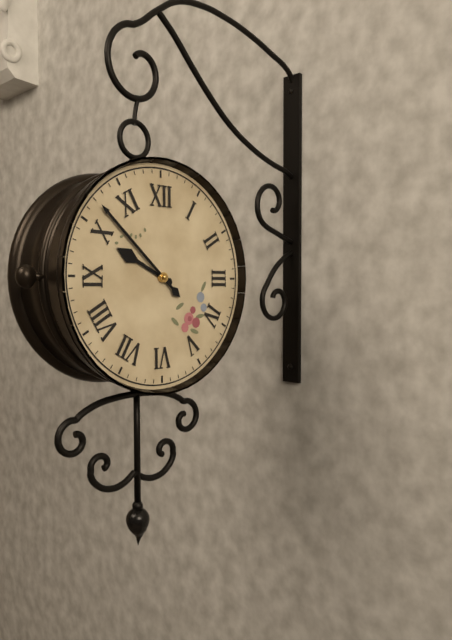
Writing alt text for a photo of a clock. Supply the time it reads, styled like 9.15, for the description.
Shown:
9.52
